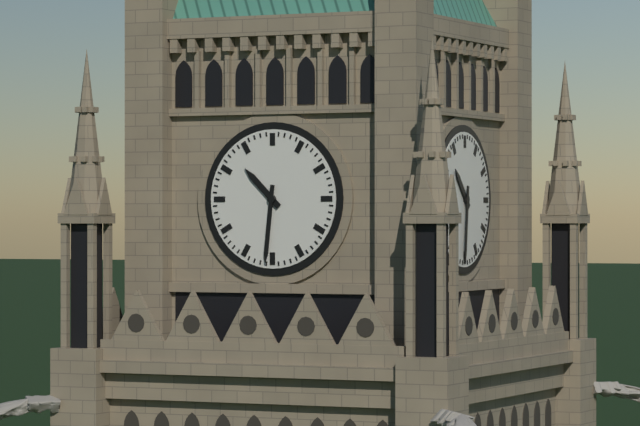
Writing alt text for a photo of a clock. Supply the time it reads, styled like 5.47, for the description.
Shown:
10.31
